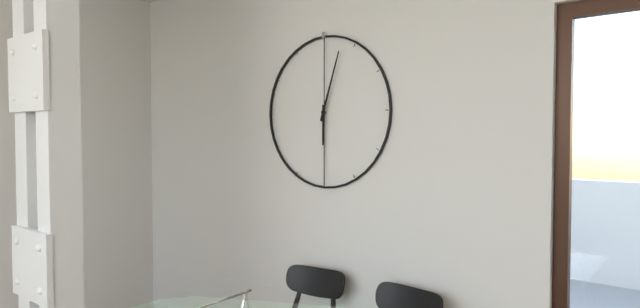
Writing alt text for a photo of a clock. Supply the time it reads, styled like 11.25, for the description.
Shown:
6.03
